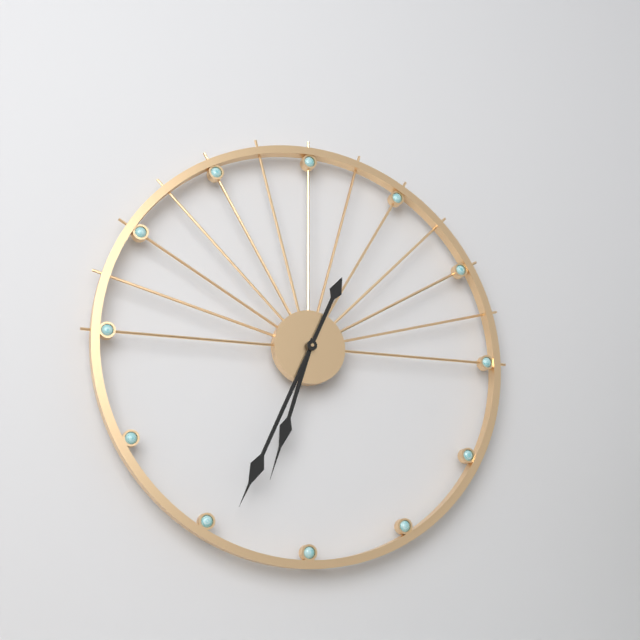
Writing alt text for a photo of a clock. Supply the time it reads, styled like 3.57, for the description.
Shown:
6.34
